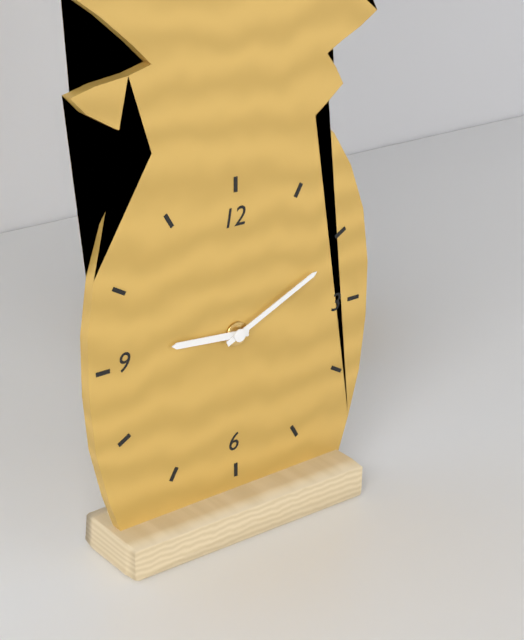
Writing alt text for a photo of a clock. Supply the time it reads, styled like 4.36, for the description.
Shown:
9.11
